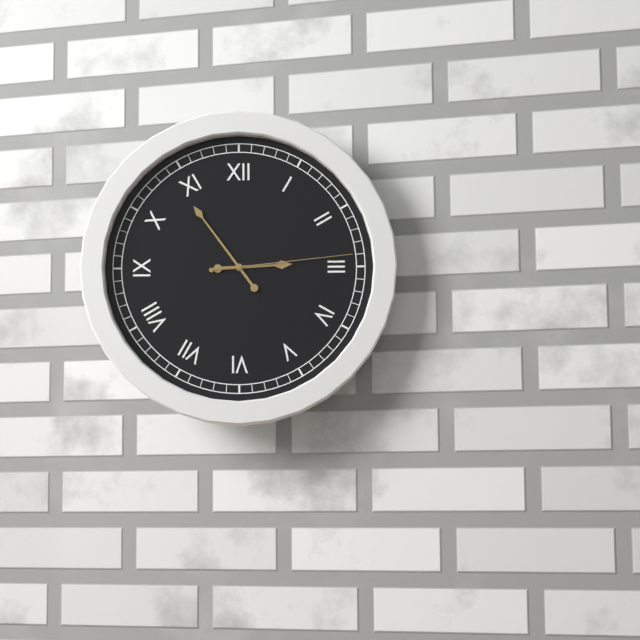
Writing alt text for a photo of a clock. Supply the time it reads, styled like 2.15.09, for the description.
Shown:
2.54.14
